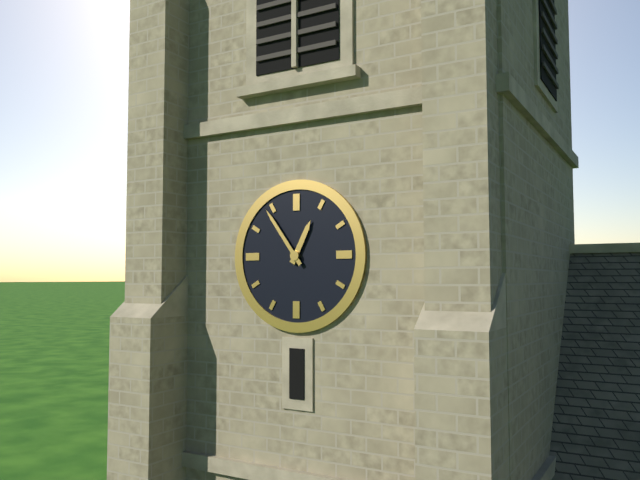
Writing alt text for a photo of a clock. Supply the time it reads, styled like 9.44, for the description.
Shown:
12.54
